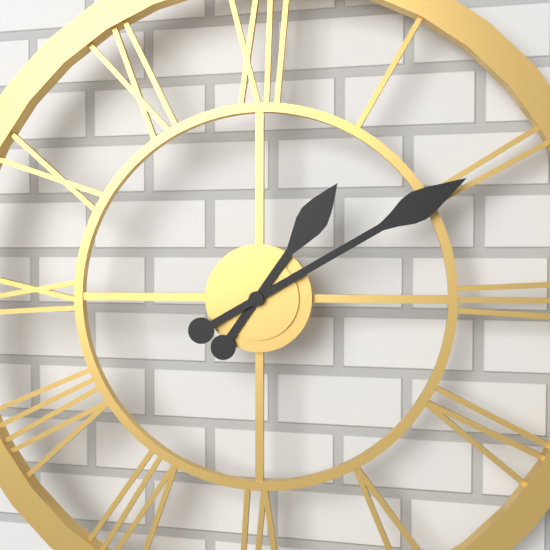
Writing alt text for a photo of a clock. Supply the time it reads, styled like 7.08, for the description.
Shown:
1.10
